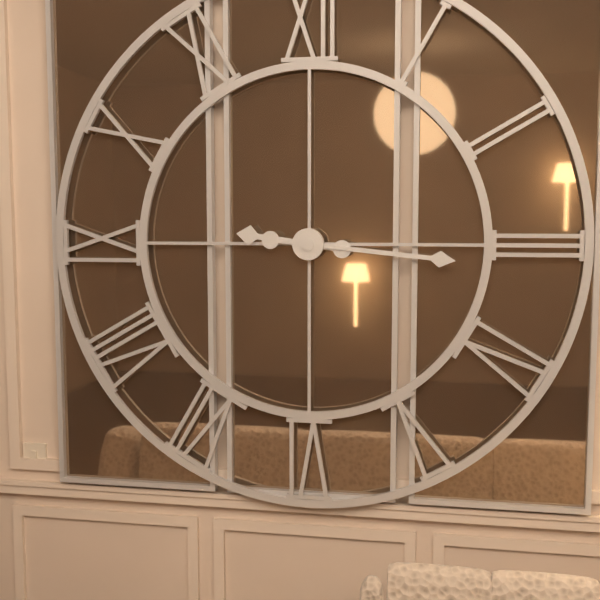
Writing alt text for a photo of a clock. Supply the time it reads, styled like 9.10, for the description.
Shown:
9.16
